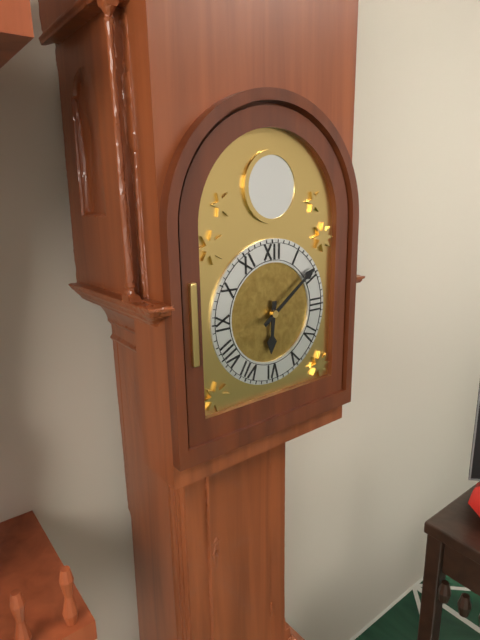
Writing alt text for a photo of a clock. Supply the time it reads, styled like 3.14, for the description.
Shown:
6.09
